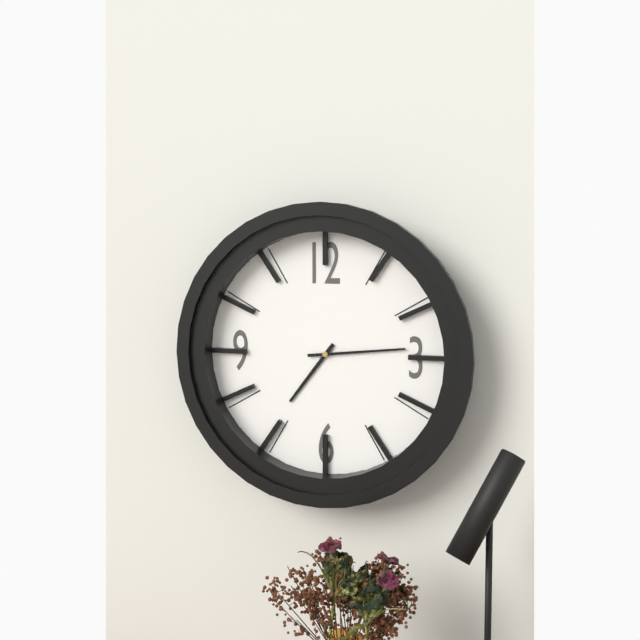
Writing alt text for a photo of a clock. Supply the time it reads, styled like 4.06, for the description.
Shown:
7.14
